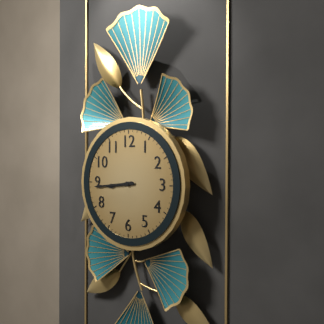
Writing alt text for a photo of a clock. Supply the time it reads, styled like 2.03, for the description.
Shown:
8.44
